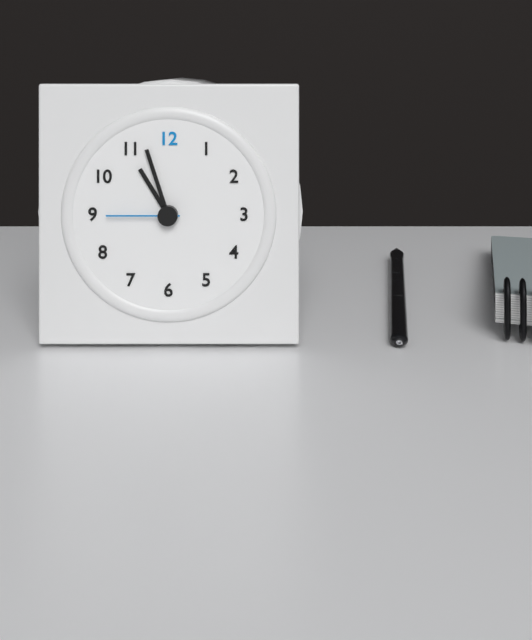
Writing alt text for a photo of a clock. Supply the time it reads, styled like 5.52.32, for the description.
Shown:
10.57.45
